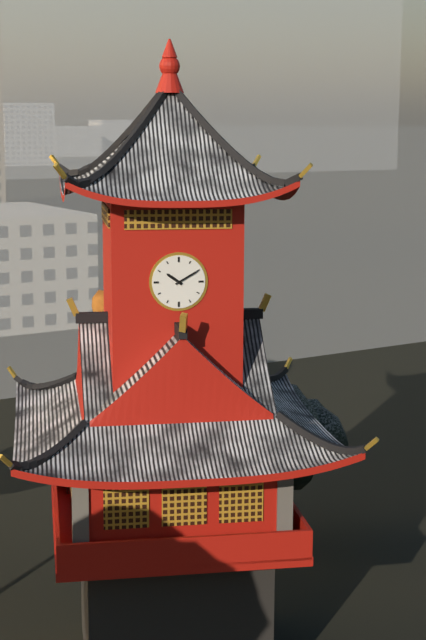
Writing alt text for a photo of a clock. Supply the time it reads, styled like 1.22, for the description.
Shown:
10.10
